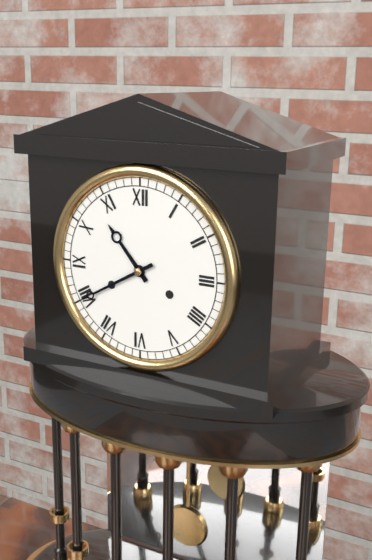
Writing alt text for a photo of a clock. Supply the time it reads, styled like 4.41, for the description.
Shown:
10.40
